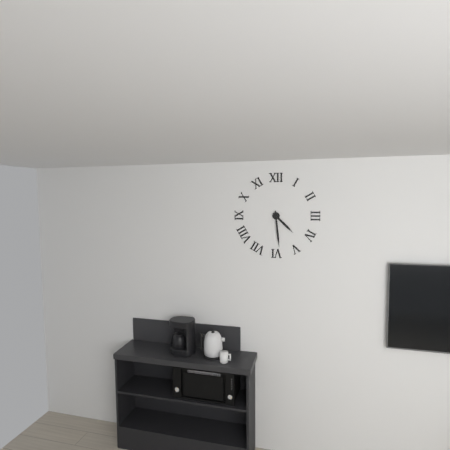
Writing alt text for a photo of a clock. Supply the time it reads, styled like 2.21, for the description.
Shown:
4.29
